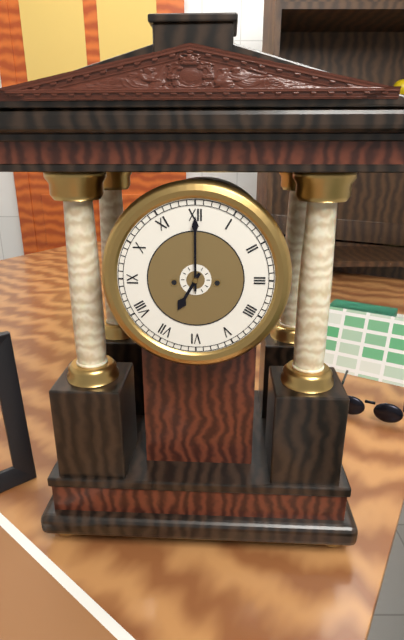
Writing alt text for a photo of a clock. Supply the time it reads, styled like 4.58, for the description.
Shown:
7.00
